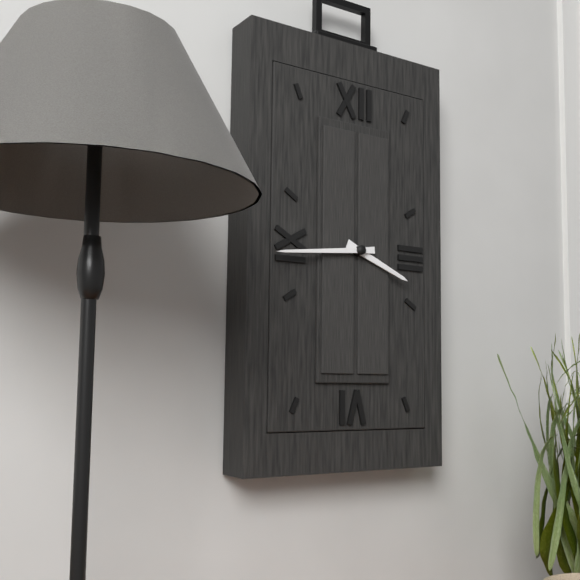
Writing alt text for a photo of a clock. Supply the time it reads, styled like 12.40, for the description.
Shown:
3.44
